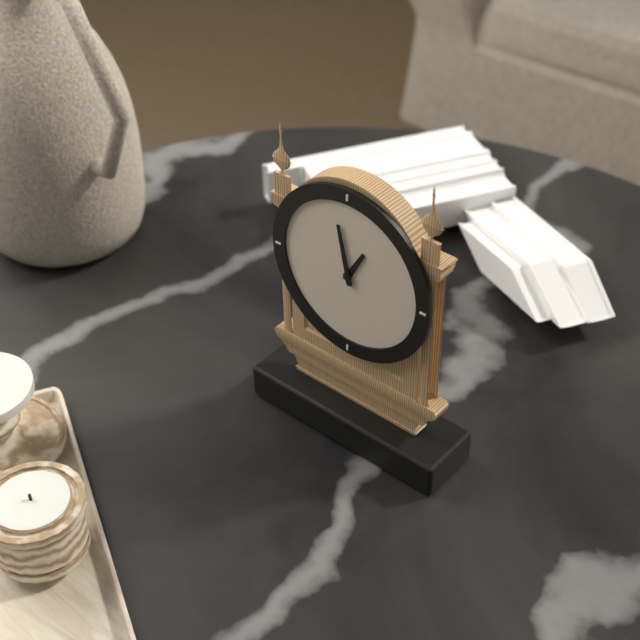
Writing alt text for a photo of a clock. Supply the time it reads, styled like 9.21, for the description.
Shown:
12.58
